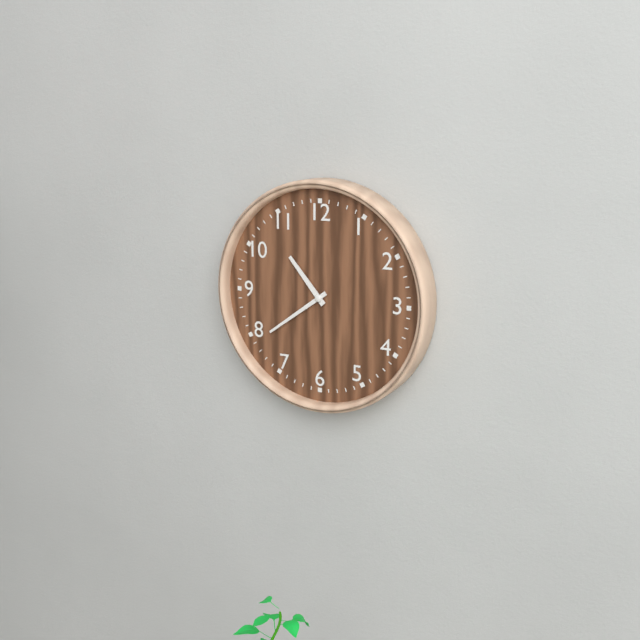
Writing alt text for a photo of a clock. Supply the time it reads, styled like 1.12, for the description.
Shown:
10.39
